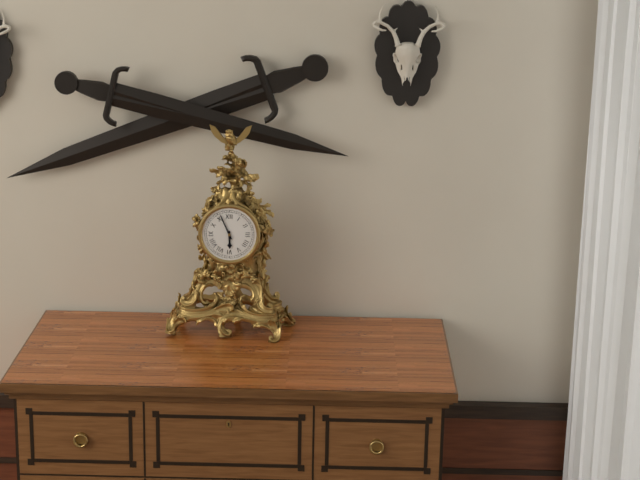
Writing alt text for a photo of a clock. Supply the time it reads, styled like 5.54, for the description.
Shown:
5.56
